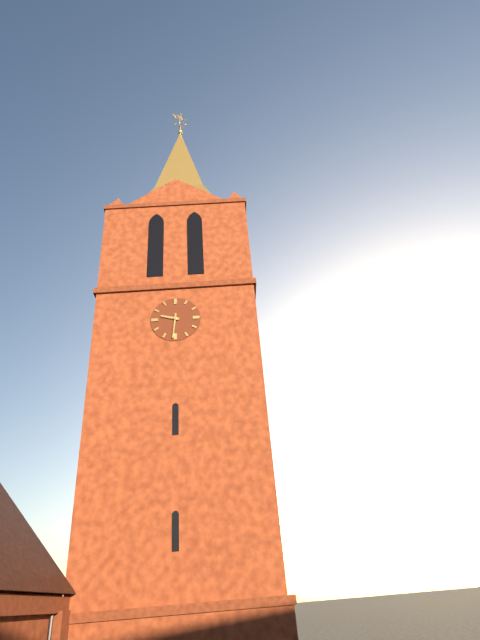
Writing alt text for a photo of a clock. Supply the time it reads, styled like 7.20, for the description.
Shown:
9.31
